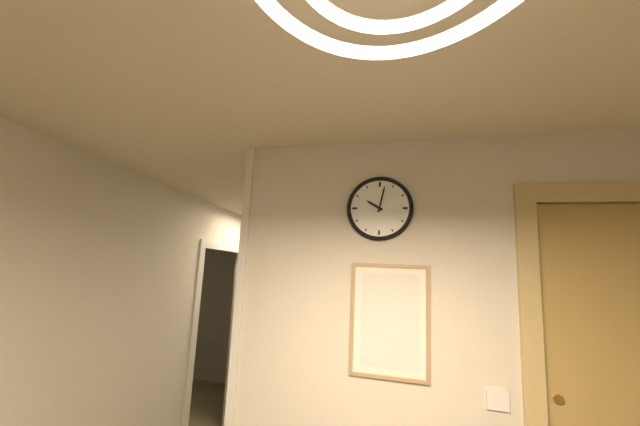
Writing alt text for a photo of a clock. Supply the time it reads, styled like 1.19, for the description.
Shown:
10.02
